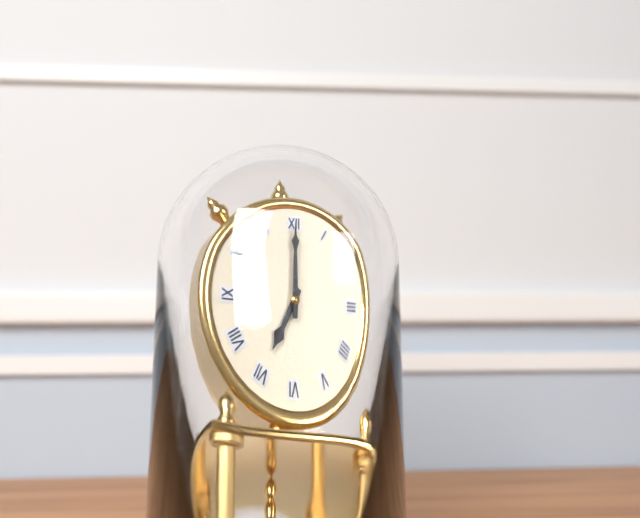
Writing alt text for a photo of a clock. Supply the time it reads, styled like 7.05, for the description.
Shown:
7.00
